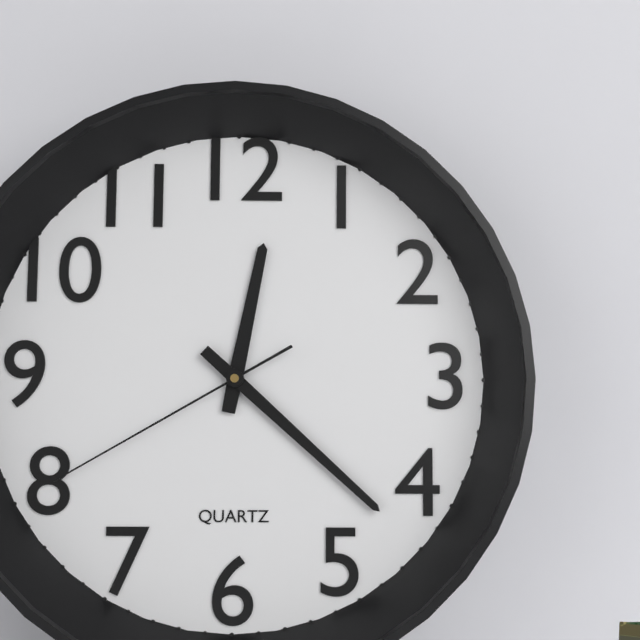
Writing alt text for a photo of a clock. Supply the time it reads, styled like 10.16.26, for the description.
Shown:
12.22.40
